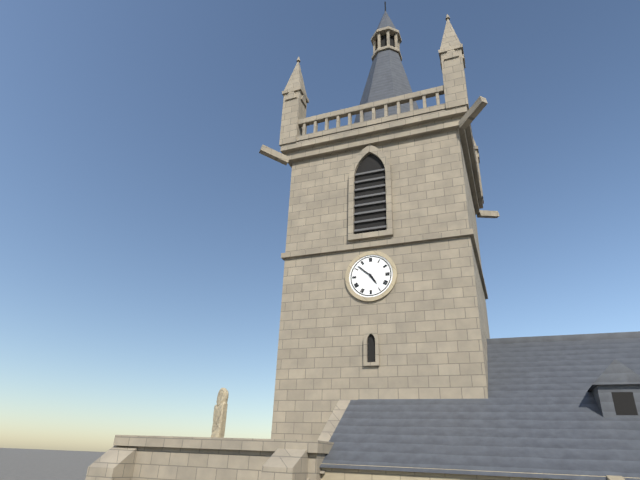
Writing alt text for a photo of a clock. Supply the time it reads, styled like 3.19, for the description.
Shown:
4.52
